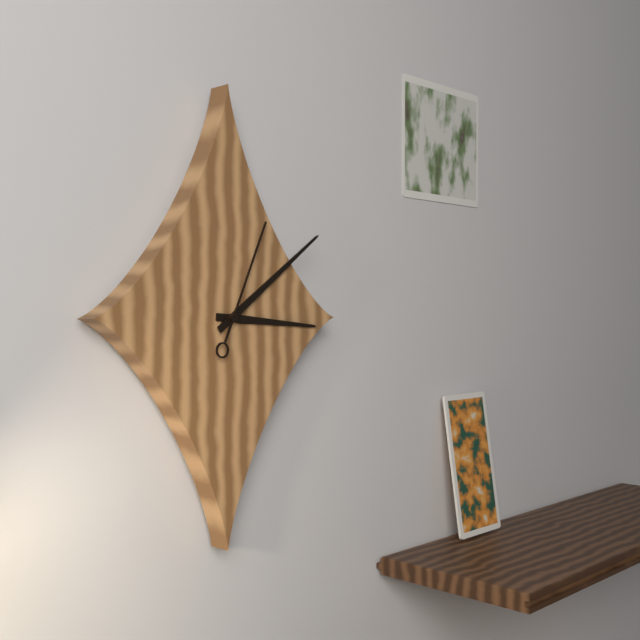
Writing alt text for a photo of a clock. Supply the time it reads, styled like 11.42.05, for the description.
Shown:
3.09.04
